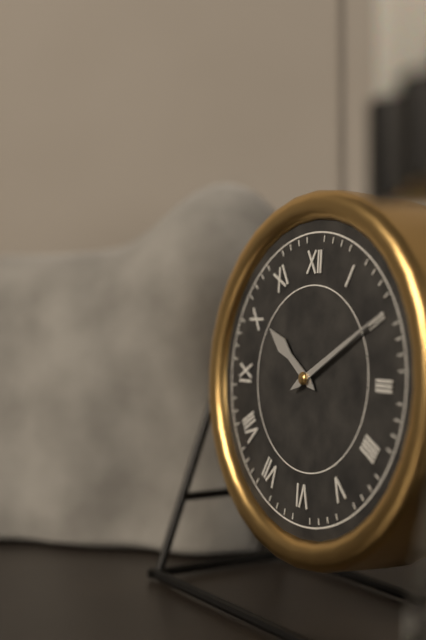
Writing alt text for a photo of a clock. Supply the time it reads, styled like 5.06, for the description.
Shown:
10.10
